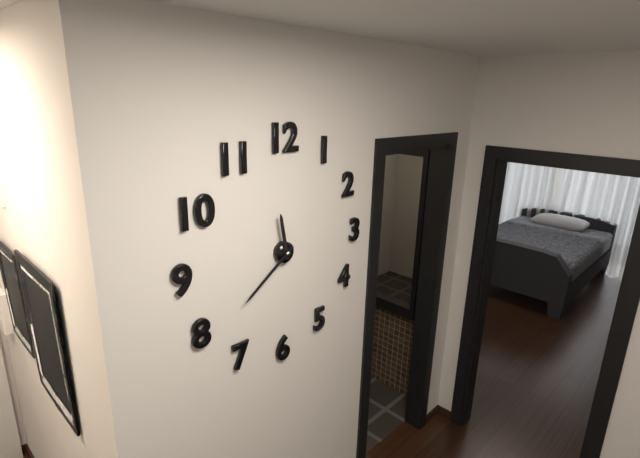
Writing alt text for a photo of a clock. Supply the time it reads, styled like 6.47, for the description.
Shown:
11.39
